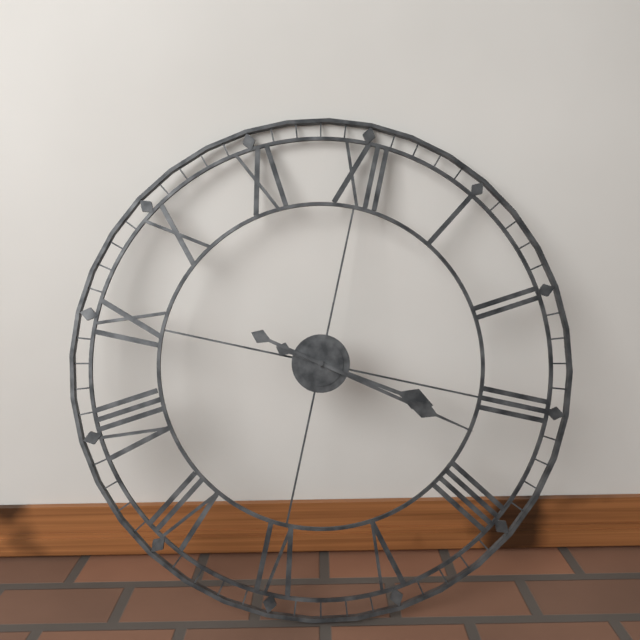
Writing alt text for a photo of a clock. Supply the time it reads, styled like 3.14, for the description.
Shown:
3.17
